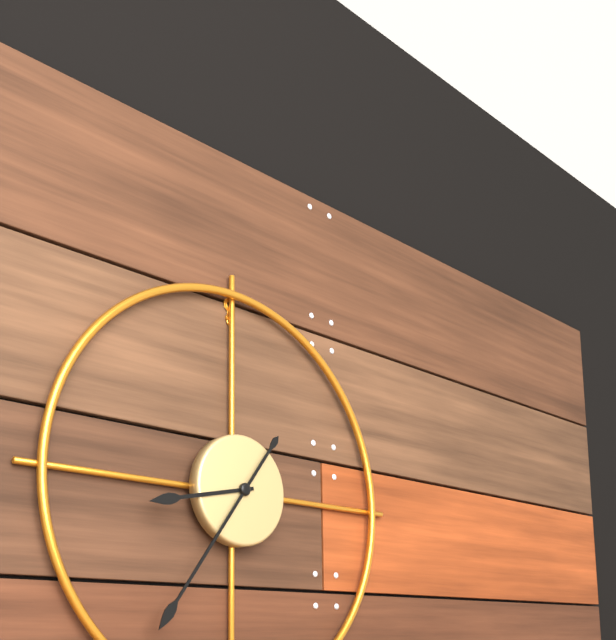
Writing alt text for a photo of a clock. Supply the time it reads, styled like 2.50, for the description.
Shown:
8.36
